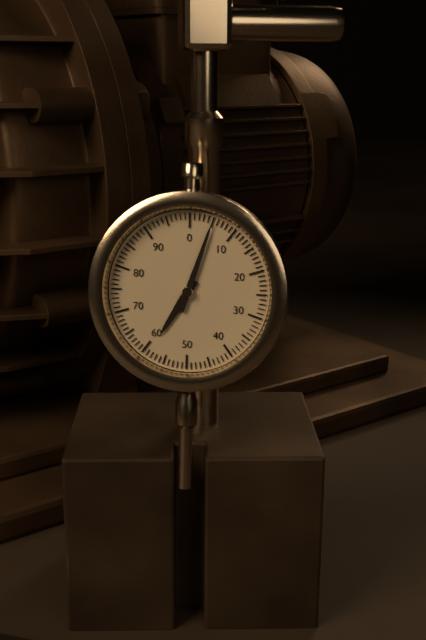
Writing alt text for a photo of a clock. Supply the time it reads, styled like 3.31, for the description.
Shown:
7.03
